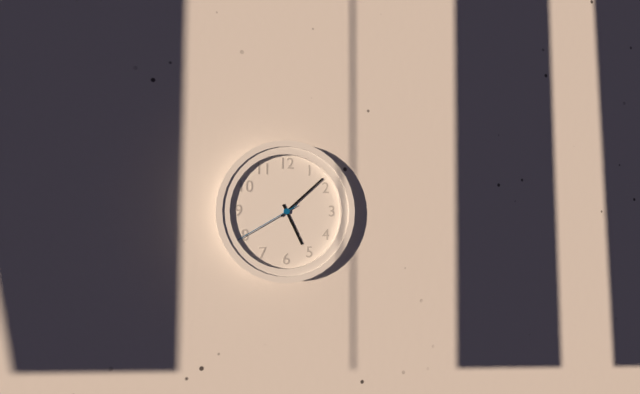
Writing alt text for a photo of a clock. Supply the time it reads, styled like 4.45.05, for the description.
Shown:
5.08.40
